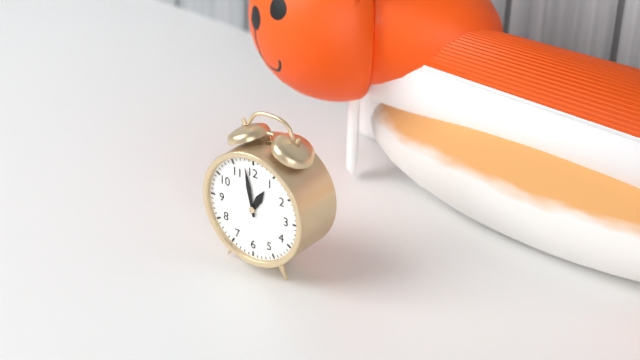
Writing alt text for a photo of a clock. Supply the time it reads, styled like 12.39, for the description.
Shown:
12.58
